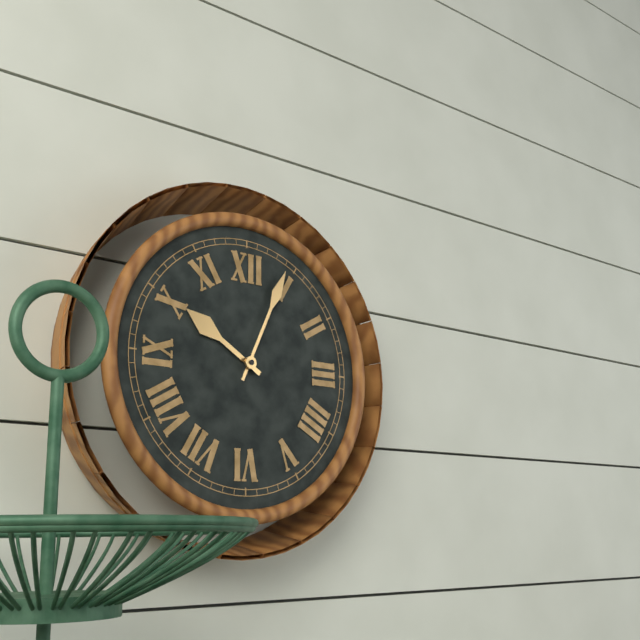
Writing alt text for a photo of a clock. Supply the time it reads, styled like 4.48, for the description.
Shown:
10.04
